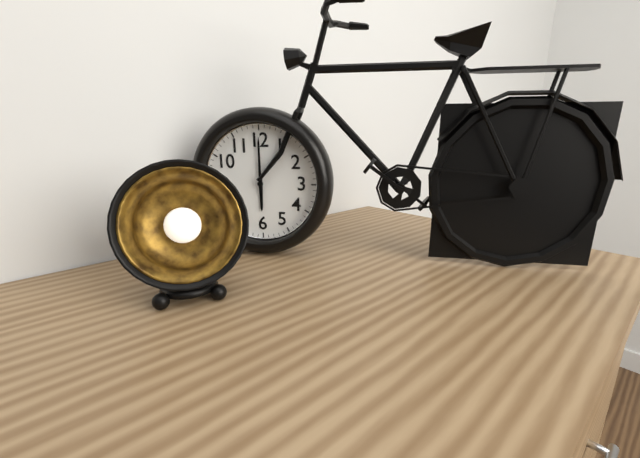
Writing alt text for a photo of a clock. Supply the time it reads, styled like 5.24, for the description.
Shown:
6.00
